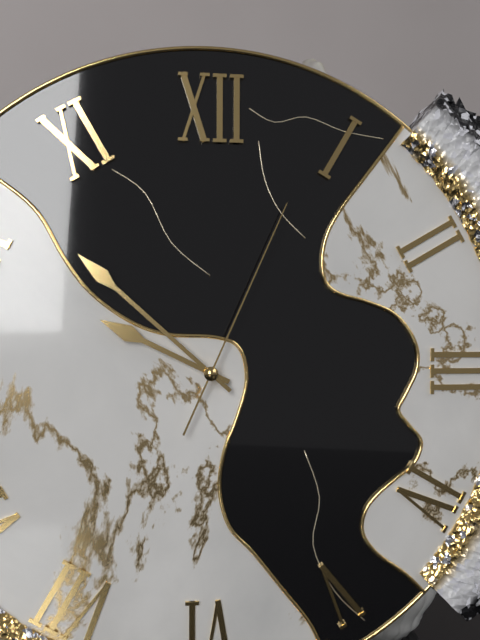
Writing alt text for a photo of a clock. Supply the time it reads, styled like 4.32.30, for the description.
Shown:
9.52.04
